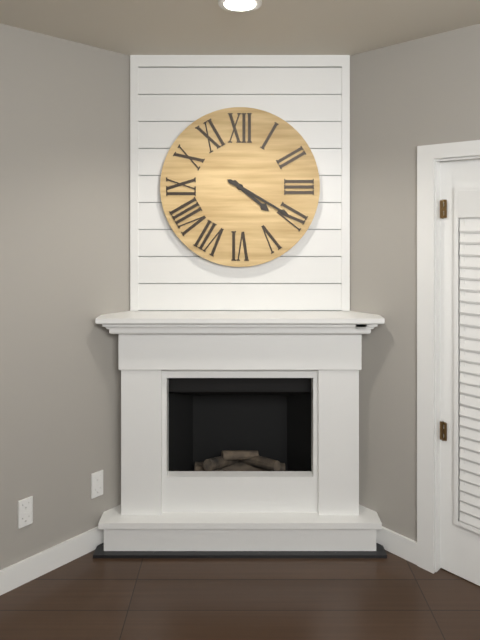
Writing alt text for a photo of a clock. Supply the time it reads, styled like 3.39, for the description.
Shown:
4.20
